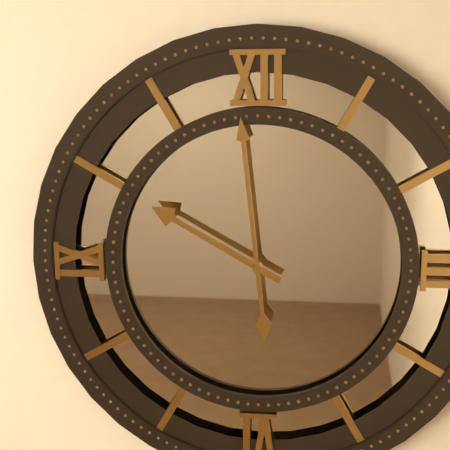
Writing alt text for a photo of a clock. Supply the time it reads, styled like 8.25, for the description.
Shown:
9.59
